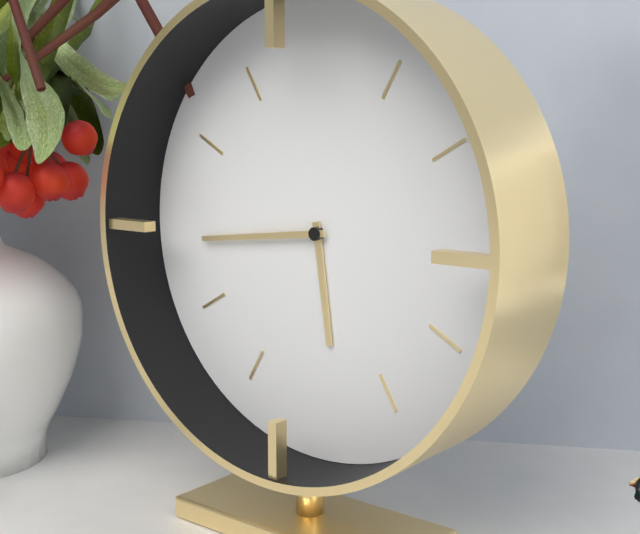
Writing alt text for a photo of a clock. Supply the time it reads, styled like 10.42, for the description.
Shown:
5.44
